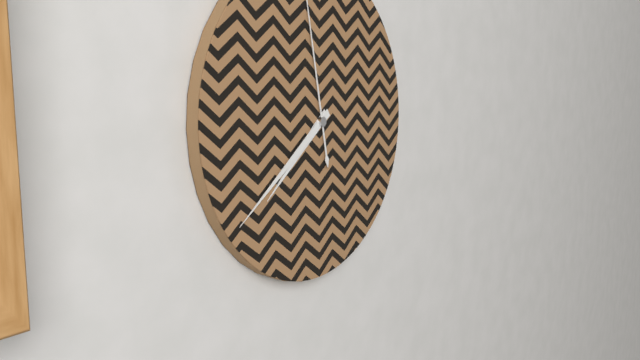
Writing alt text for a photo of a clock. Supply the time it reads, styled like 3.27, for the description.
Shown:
7.39
